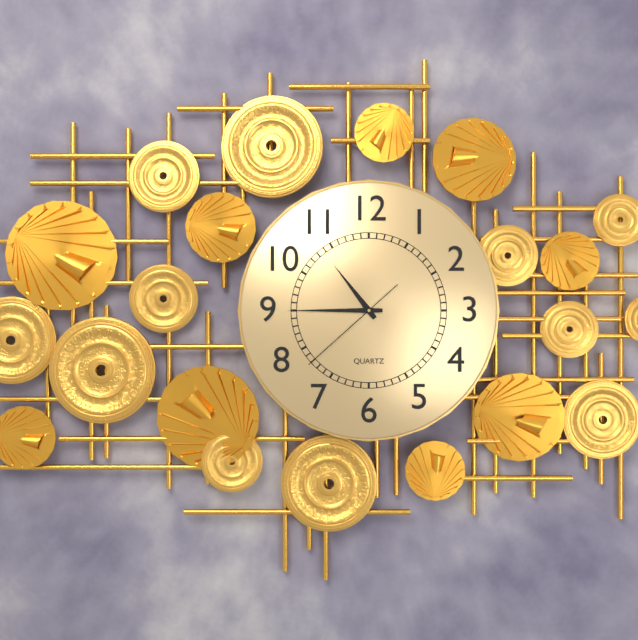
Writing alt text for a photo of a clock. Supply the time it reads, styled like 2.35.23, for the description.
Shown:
10.45.38
